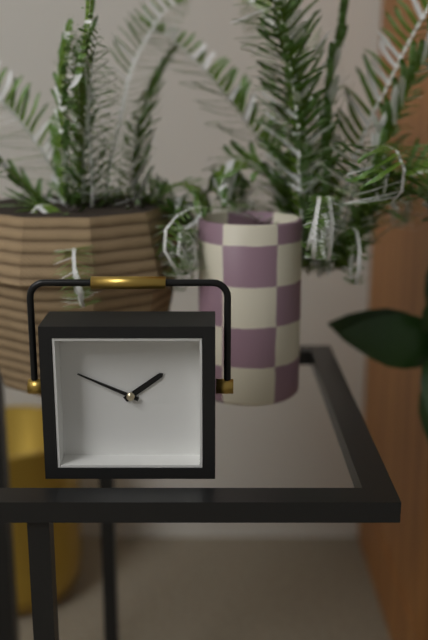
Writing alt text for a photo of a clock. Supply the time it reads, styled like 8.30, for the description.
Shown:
1.49
